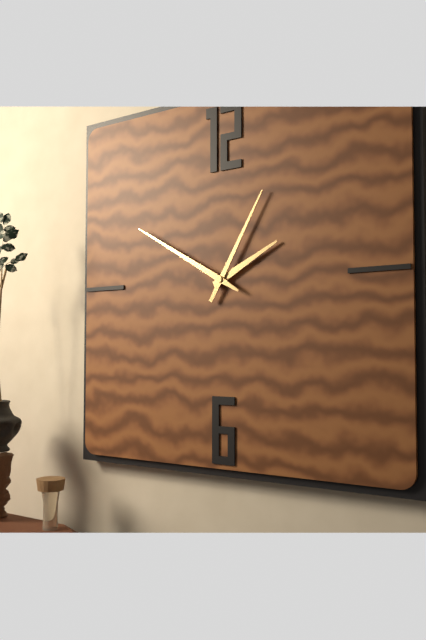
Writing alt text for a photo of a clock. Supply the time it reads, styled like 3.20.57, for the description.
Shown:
2.05.50
